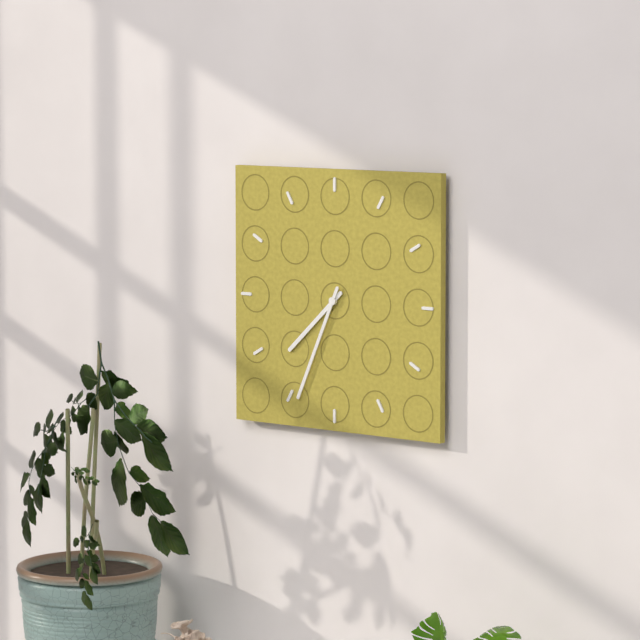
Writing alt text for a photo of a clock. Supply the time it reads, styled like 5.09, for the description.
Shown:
7.34
